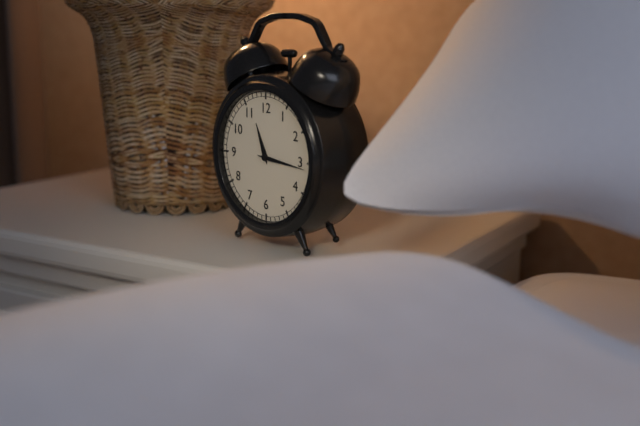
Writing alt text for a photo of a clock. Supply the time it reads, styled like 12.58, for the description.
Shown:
11.16
